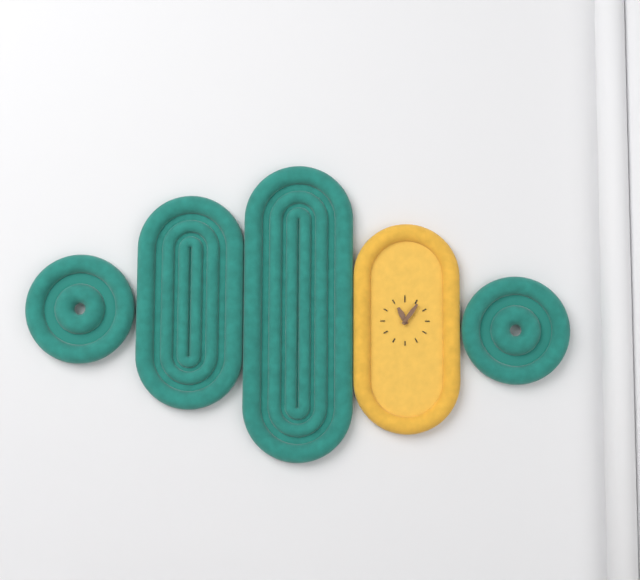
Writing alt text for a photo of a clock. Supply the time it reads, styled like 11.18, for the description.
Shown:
11.06
